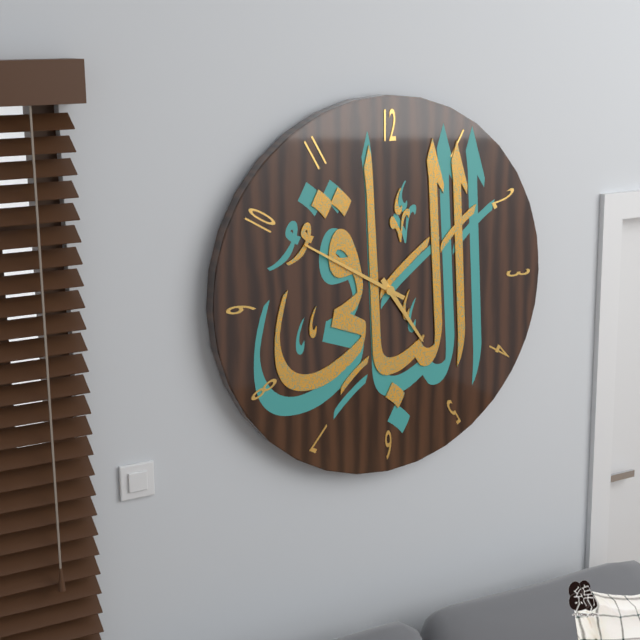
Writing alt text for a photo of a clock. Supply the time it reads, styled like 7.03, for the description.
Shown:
4.50
